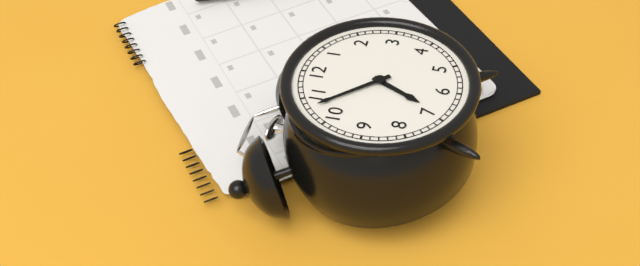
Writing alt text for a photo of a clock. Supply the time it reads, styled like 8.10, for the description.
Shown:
6.53
